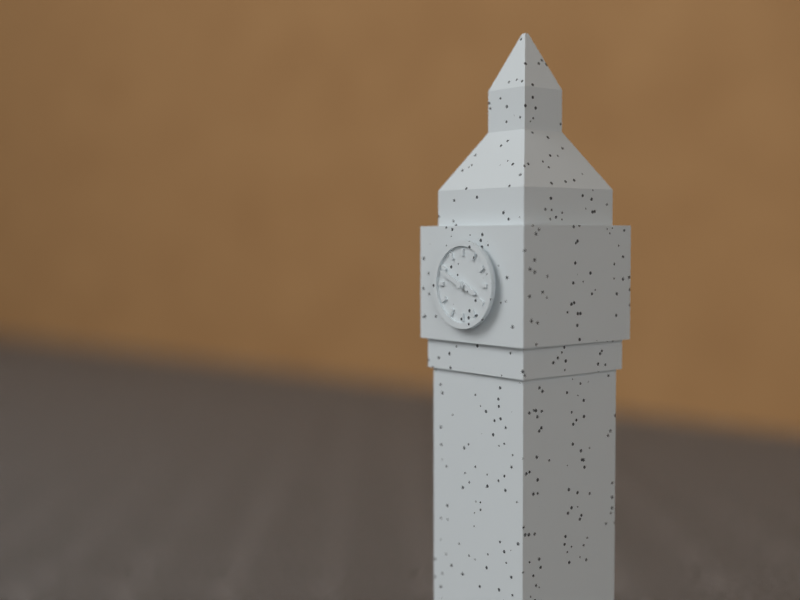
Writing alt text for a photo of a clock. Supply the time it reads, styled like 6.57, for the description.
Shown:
3.49
